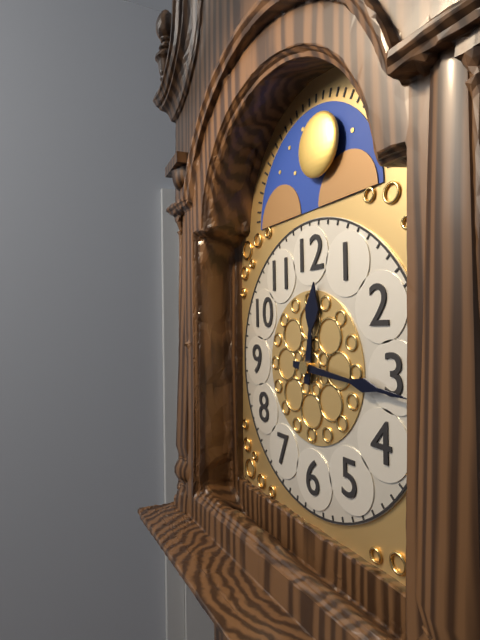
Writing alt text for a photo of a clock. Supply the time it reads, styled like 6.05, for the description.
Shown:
12.16
